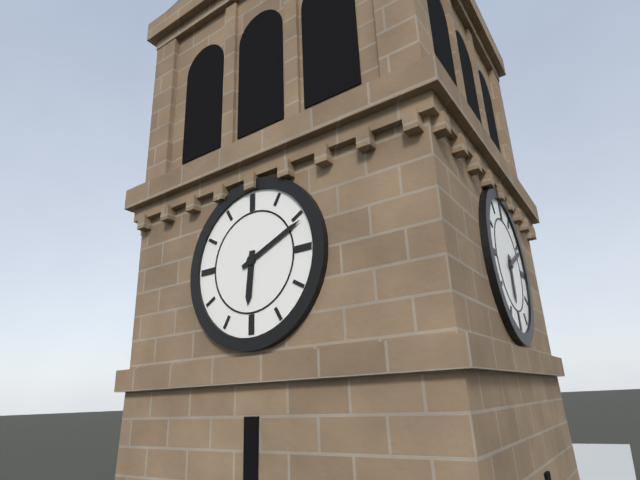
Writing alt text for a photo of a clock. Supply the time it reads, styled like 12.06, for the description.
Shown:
6.11
